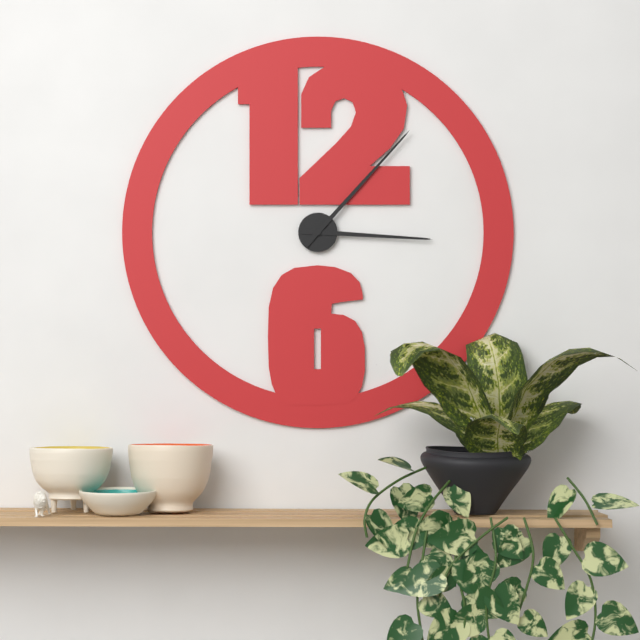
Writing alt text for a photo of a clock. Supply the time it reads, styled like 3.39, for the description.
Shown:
3.07
